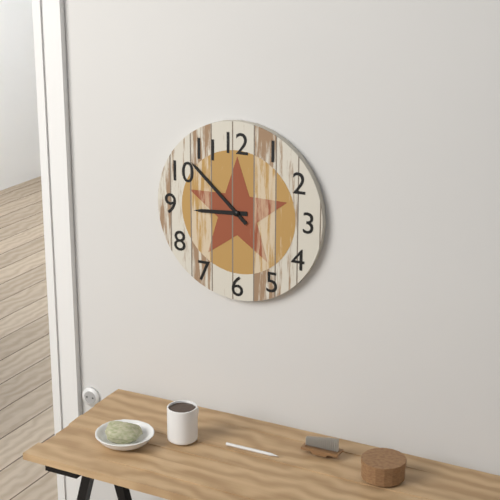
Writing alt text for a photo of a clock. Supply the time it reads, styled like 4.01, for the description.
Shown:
8.52
